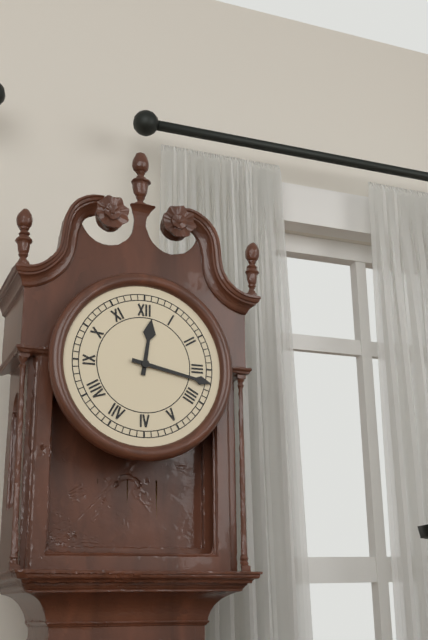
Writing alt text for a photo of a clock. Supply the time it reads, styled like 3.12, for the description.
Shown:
12.17
